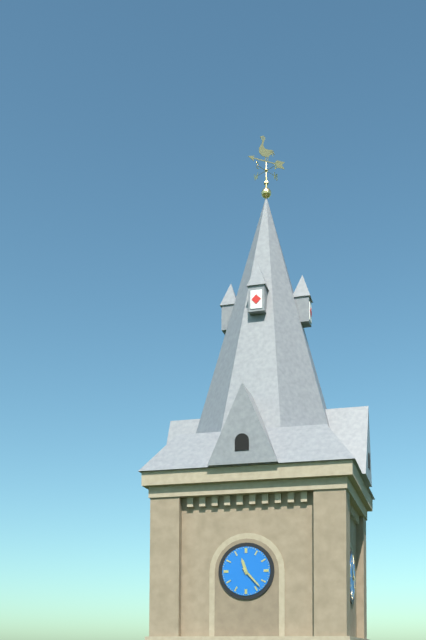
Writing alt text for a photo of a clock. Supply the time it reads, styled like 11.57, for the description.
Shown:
11.23
